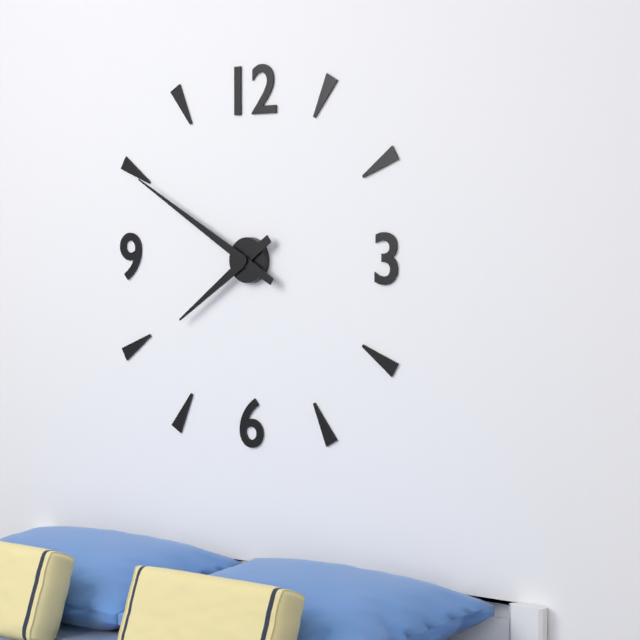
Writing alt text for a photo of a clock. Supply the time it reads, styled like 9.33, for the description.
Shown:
7.50
